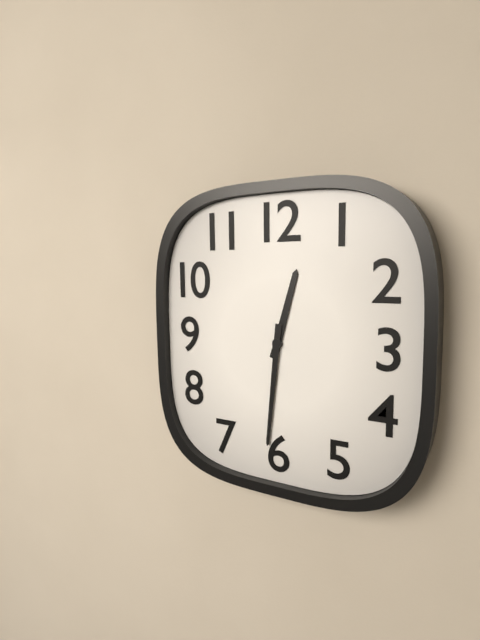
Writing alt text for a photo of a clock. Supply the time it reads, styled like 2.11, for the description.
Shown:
12.31
